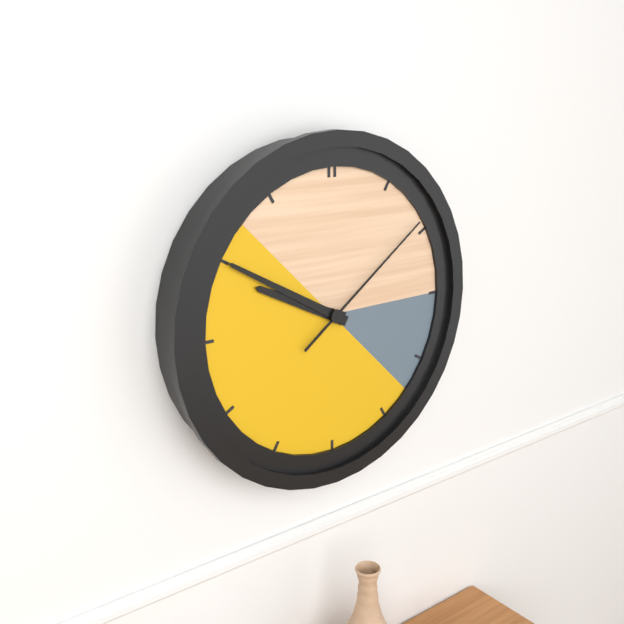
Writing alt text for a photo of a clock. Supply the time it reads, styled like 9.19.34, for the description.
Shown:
9.50.09
